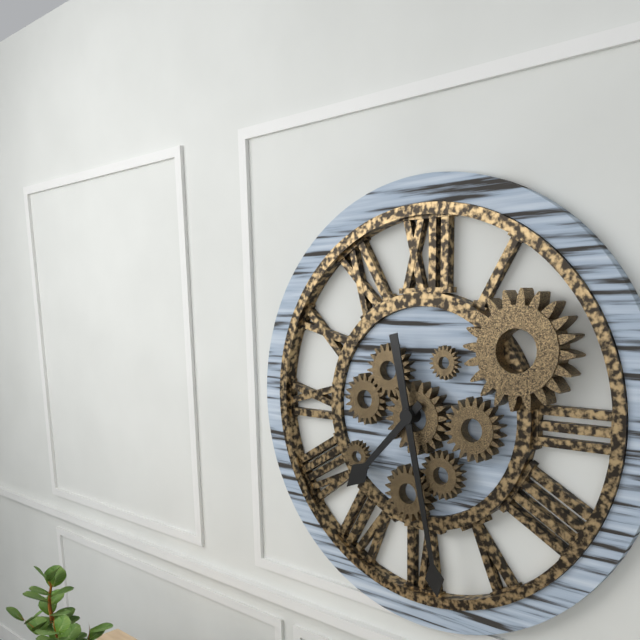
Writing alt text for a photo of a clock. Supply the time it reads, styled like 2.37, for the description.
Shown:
7.28
